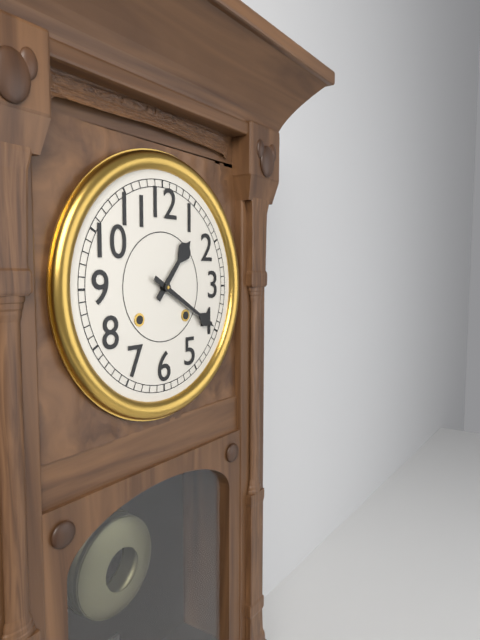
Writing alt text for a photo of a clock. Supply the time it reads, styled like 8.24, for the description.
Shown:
1.20
